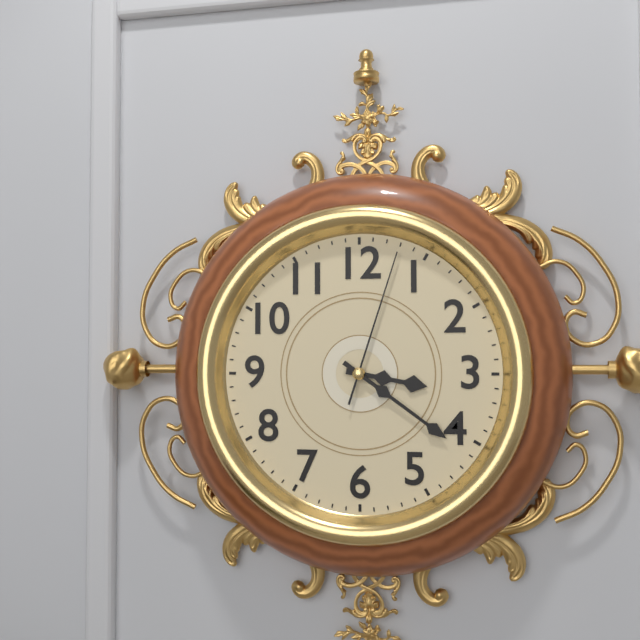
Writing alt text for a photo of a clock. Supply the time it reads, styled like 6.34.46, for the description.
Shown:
3.21.03
